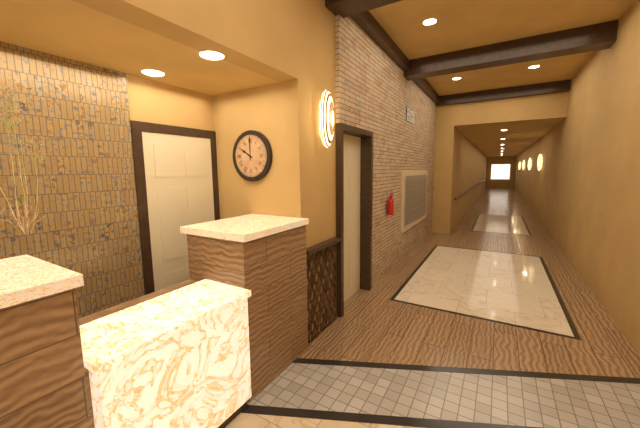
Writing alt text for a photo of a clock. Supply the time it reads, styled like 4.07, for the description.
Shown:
10.00
